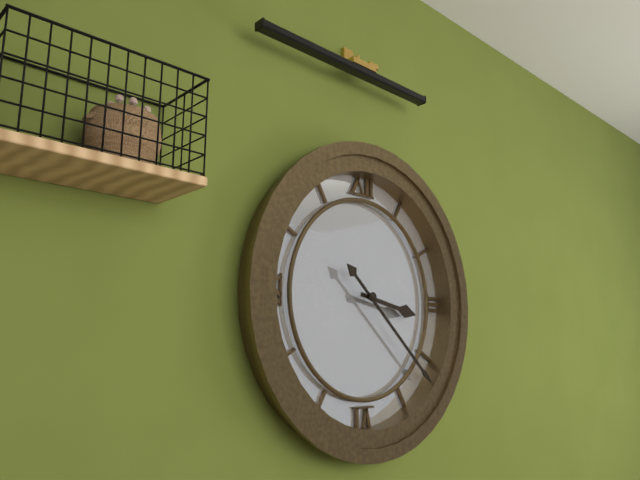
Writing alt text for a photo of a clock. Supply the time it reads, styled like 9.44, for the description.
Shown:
3.22
